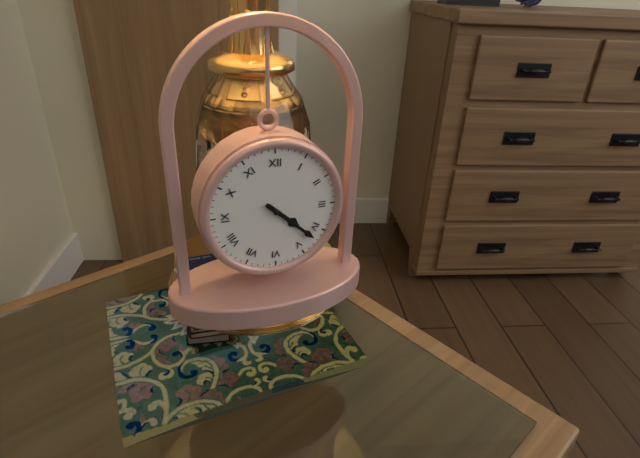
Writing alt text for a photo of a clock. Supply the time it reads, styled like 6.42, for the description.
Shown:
4.22
